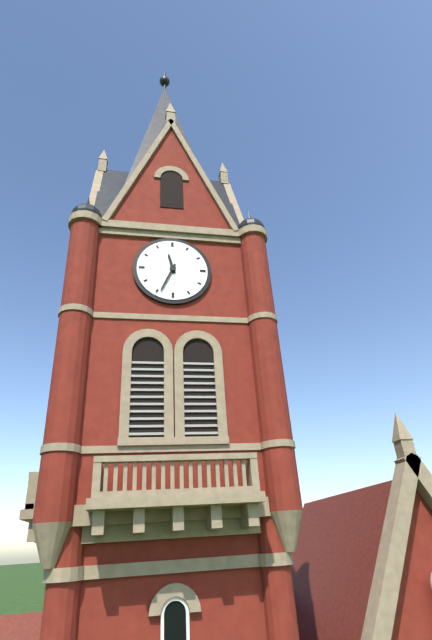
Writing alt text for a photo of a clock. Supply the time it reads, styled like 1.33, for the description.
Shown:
11.34
